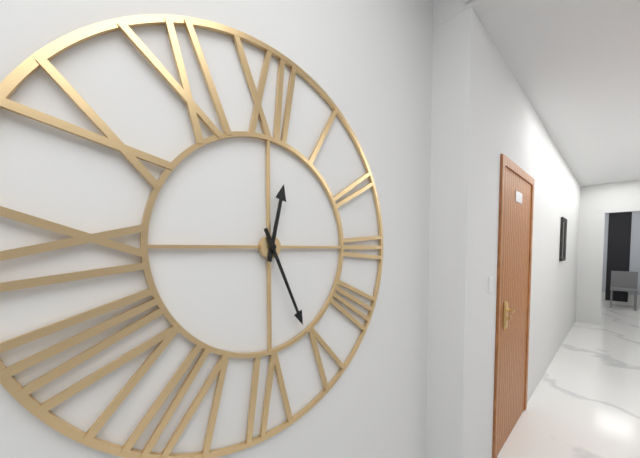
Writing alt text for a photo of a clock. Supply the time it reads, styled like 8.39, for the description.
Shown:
12.26
